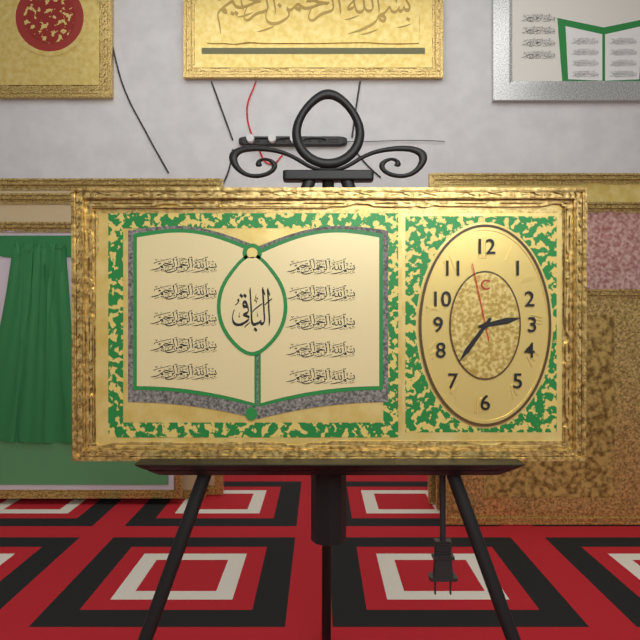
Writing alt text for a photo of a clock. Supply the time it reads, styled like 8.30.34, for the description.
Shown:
2.36.58
